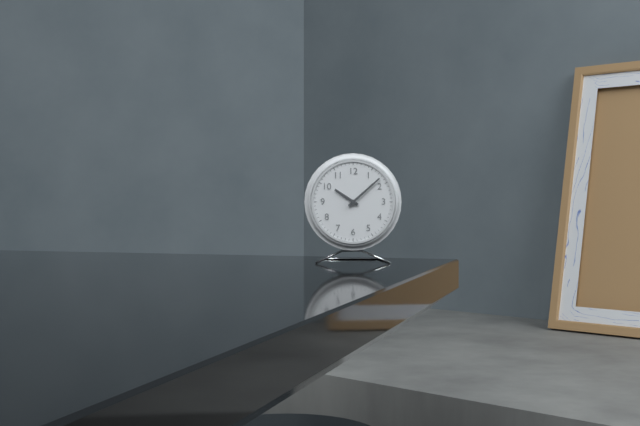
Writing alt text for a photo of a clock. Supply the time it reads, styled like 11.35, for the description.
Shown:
10.08
